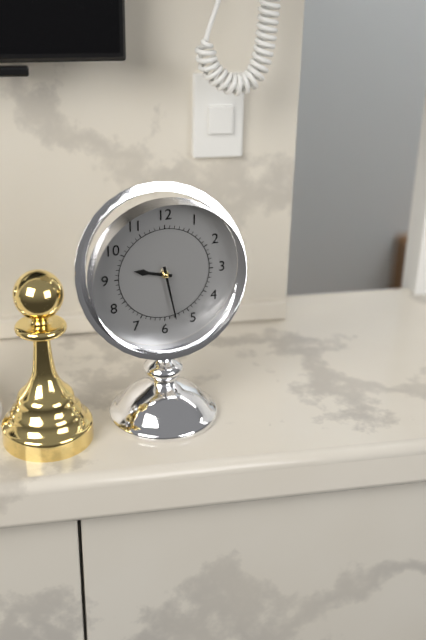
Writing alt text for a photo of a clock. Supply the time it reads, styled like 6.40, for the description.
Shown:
9.28
